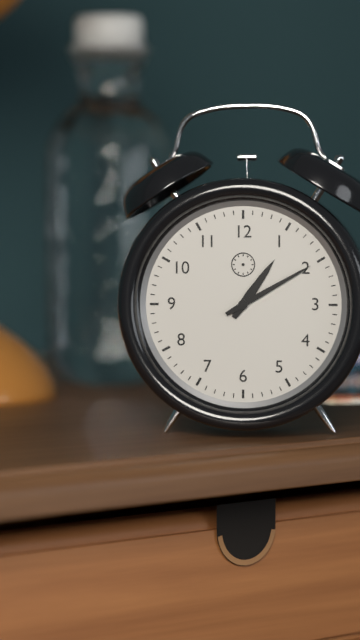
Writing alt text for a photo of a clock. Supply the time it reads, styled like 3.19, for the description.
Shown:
1.10
